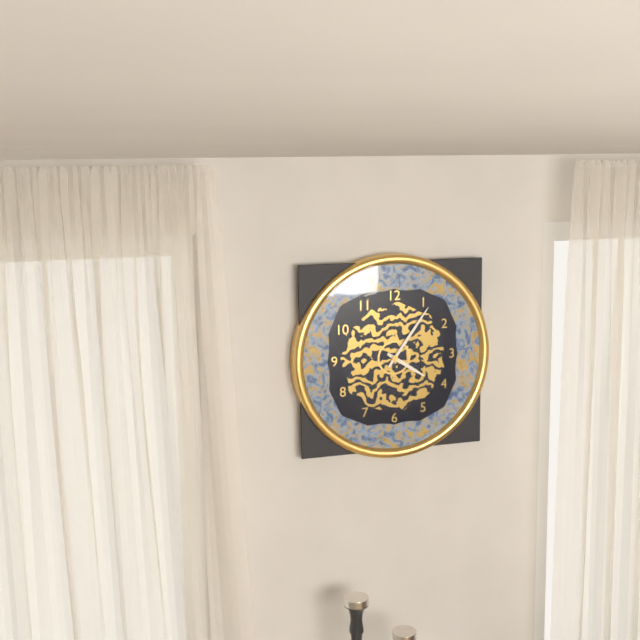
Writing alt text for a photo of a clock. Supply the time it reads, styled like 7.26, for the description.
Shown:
4.06
